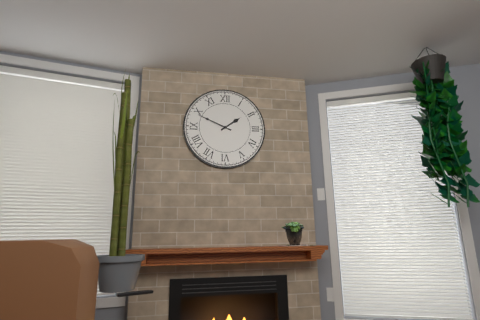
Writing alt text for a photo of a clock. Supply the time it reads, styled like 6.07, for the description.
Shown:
1.49
